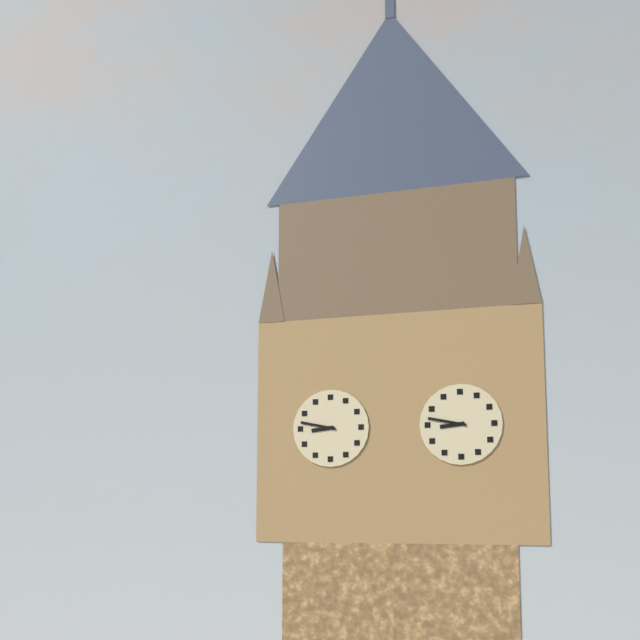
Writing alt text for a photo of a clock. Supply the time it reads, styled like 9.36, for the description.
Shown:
8.47
